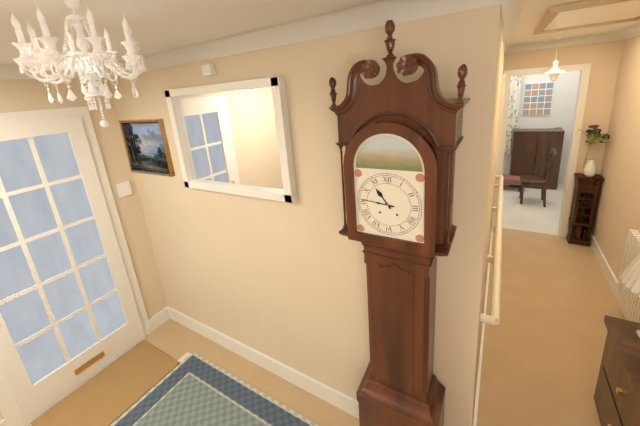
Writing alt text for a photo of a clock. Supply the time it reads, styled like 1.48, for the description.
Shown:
10.46
